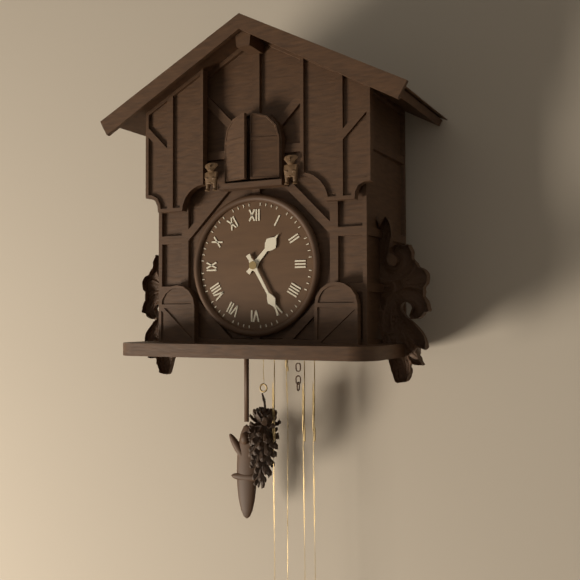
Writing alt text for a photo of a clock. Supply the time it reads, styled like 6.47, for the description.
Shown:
1.25
